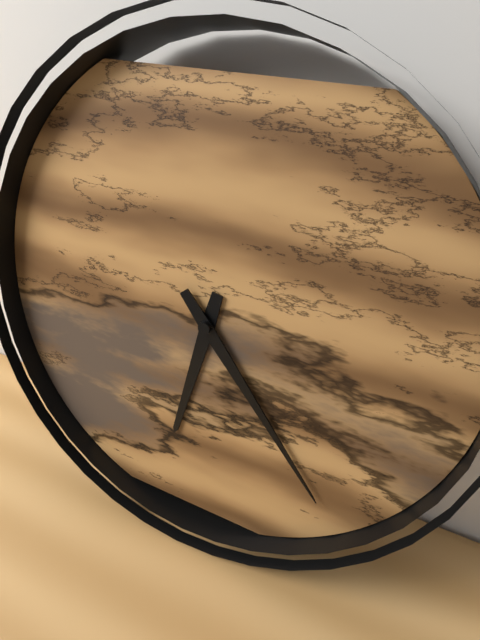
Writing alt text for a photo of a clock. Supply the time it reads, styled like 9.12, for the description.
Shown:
6.23
